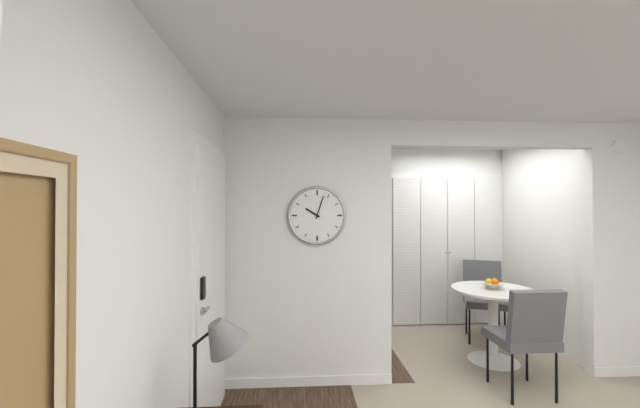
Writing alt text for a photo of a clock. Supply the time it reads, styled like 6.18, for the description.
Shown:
10.03
